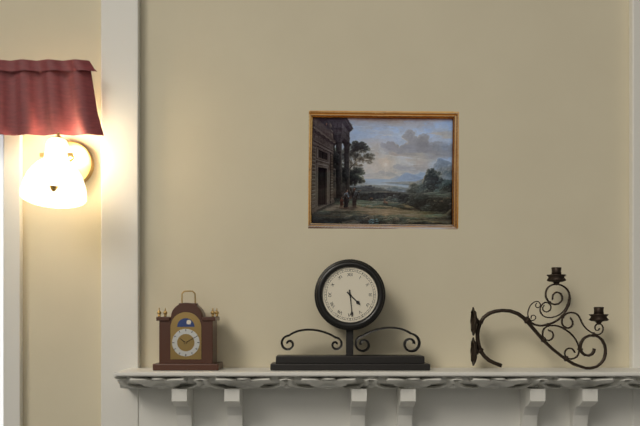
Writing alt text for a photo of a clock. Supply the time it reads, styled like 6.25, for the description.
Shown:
4.29
